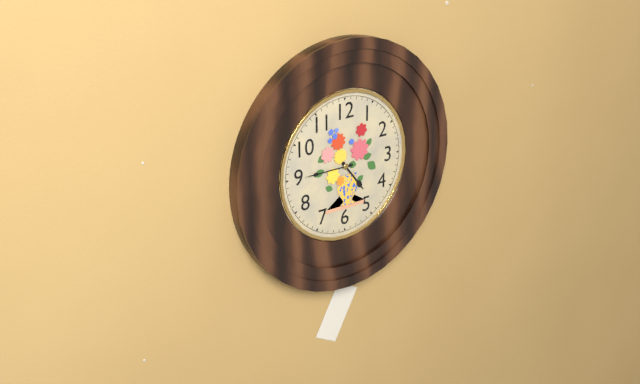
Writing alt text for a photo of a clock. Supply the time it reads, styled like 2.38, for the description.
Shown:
4.45
